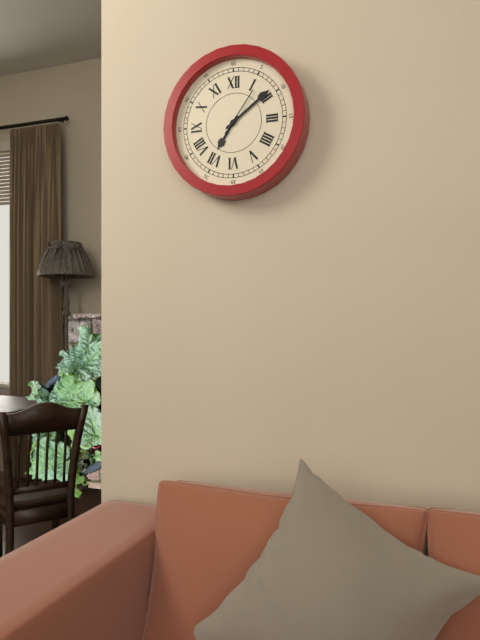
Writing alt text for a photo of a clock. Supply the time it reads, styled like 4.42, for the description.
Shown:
7.09
